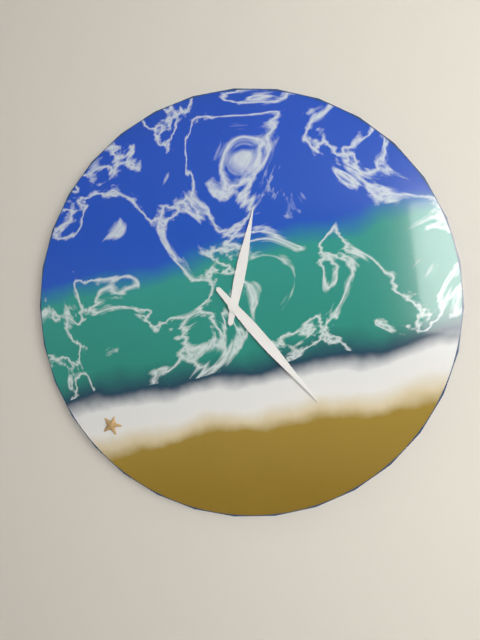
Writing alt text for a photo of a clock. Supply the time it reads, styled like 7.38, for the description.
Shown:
12.23
